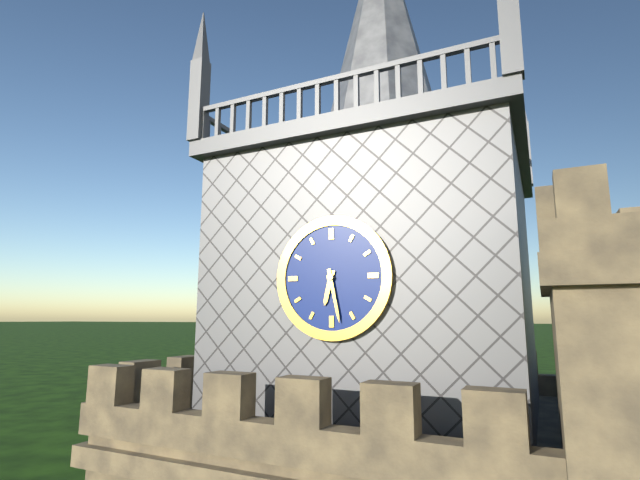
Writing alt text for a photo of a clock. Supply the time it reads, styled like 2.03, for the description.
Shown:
6.28
